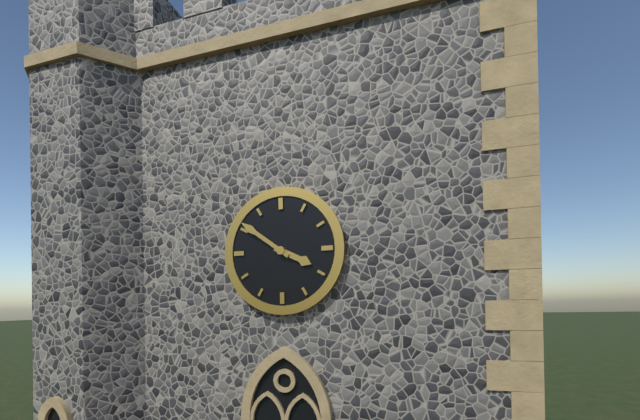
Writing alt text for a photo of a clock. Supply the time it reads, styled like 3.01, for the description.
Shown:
3.51
